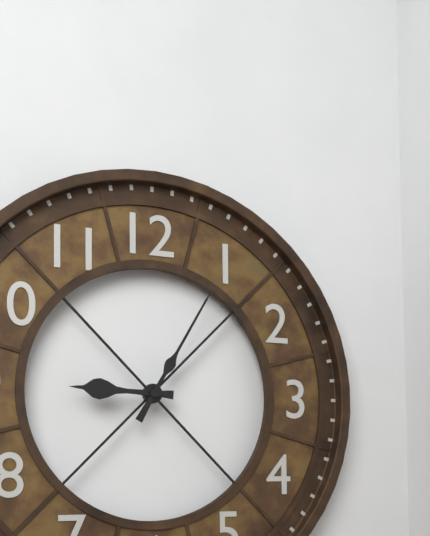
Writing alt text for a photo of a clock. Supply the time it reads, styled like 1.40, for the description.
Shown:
9.05
